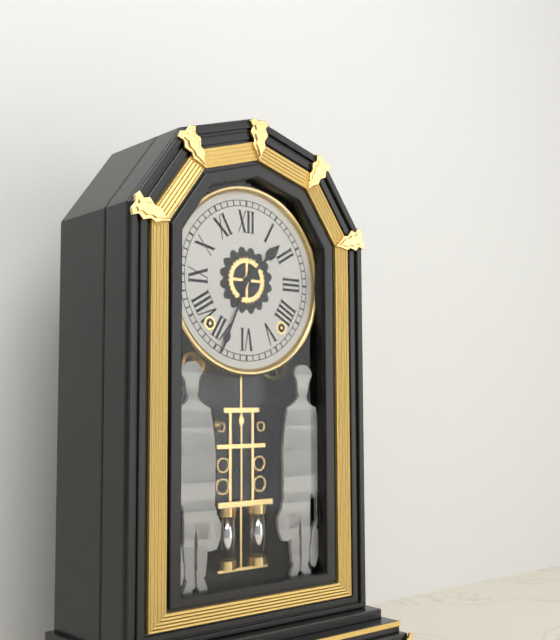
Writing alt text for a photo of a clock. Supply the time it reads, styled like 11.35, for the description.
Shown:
1.34
